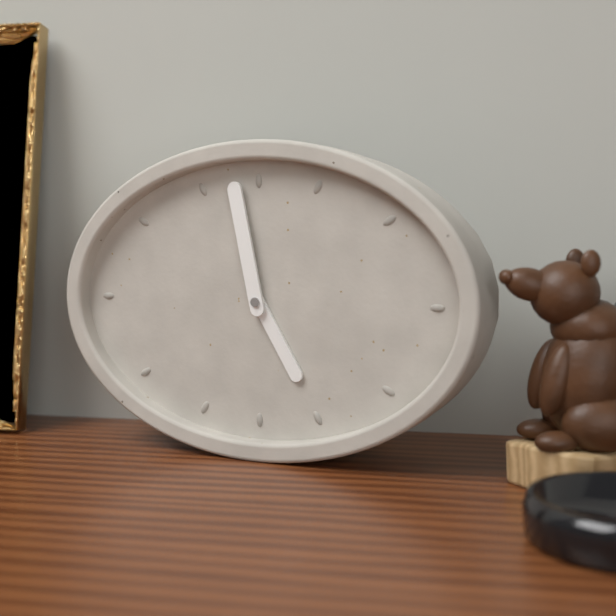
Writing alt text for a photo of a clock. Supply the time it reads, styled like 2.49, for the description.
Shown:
4.58
